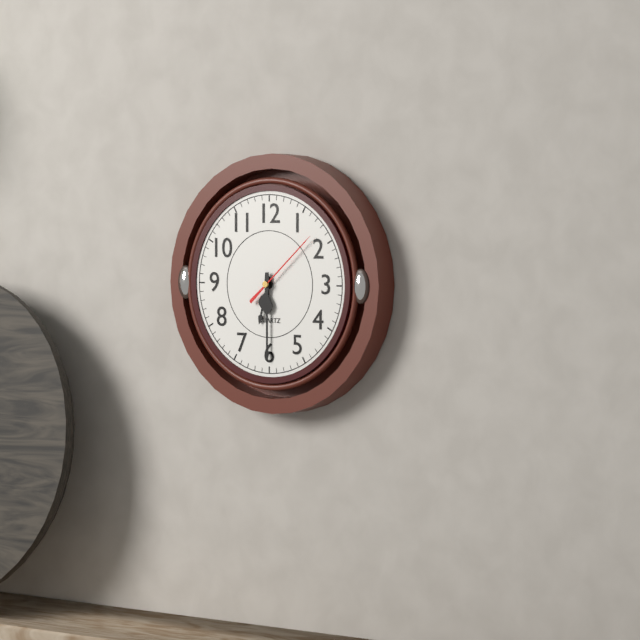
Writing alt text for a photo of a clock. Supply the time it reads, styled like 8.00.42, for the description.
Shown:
6.30.08
